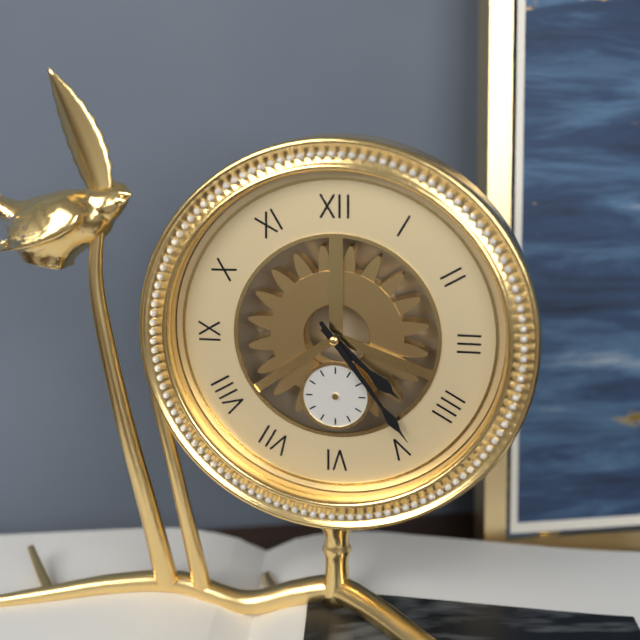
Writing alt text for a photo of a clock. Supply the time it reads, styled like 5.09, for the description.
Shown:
4.24
